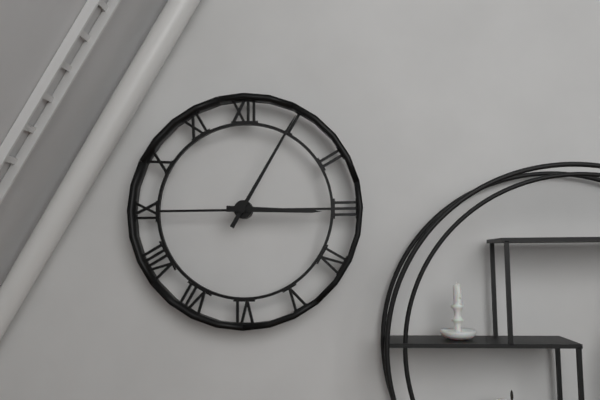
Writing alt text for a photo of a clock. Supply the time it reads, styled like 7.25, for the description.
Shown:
3.05
